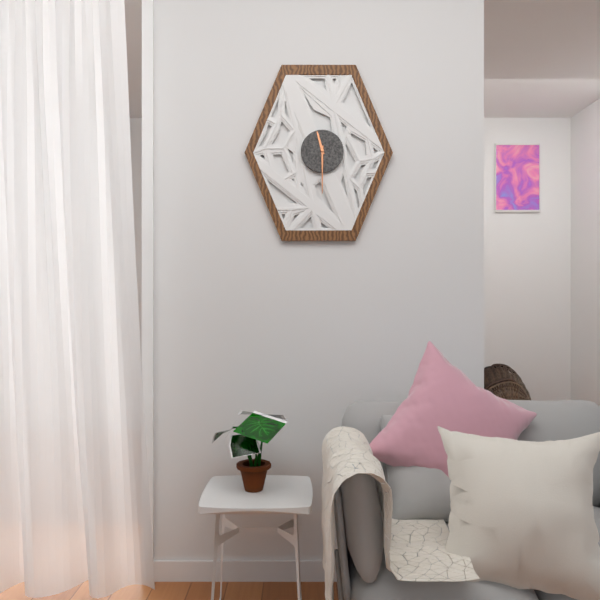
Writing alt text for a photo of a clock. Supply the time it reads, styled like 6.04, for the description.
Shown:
11.30
